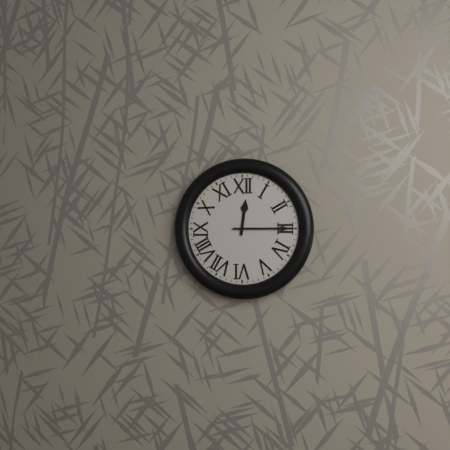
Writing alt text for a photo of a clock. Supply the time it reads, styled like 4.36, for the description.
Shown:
12.15
